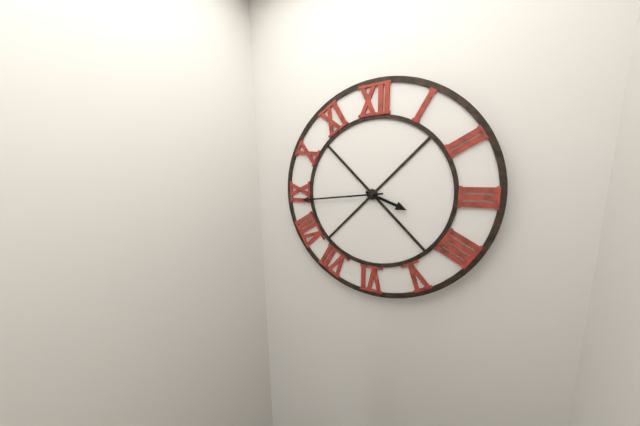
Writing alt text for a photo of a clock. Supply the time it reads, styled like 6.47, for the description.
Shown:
3.44
